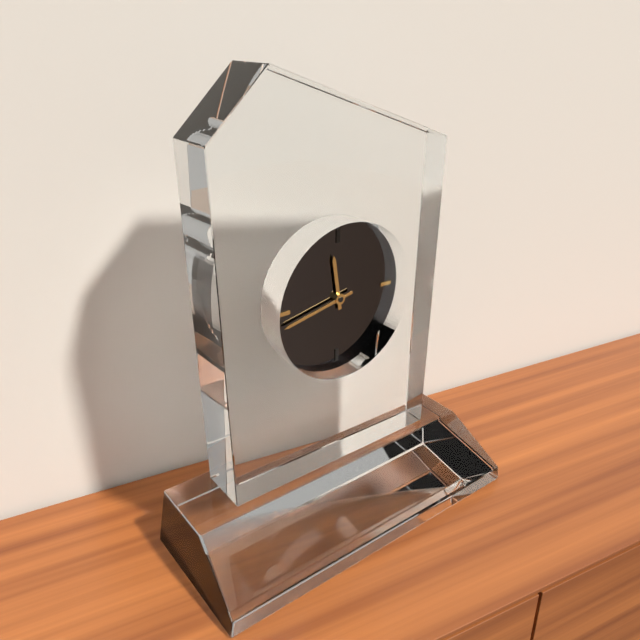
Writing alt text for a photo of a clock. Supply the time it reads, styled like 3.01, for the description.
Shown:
11.43
